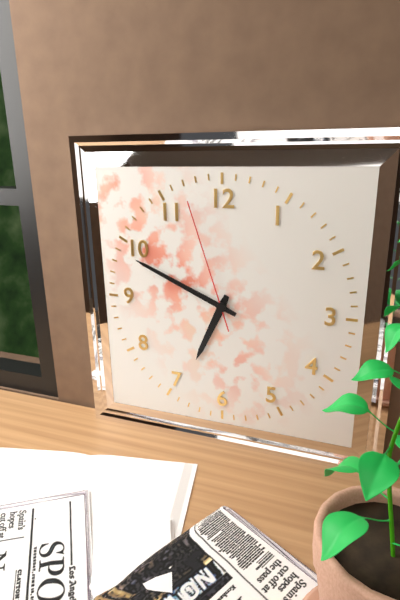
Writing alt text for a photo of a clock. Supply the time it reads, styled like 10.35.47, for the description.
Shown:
6.49.57
